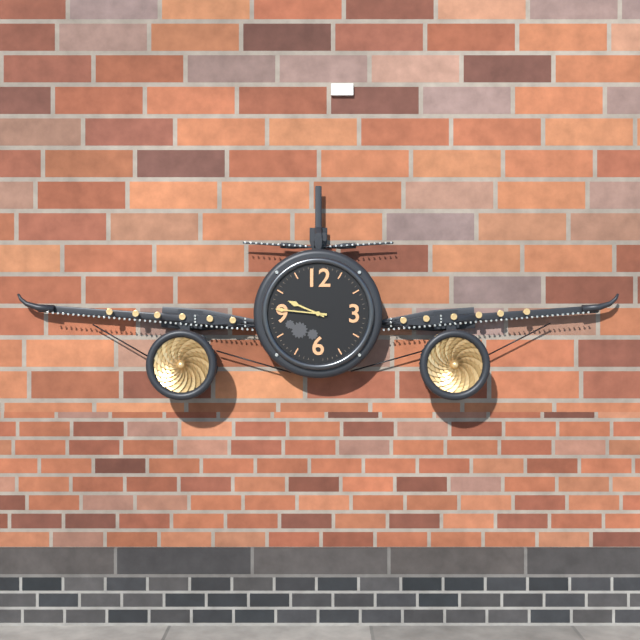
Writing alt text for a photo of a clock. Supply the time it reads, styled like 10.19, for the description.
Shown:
9.46
